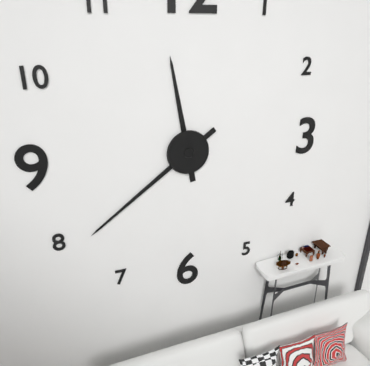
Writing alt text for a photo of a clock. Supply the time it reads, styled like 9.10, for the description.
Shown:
11.39
